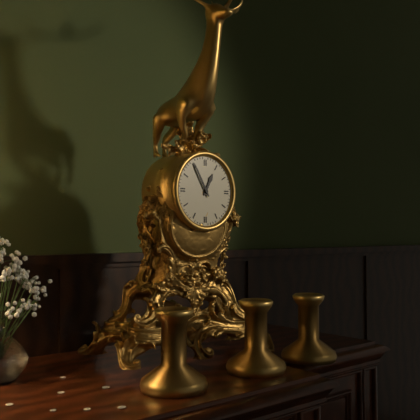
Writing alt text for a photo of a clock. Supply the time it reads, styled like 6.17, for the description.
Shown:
12.55
